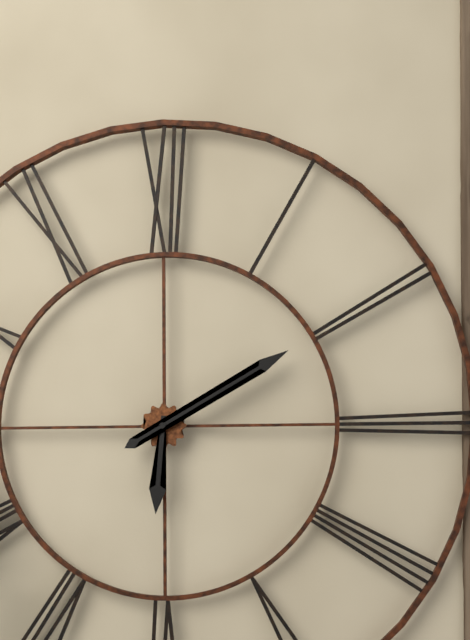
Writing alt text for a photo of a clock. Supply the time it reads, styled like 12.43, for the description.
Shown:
6.10
